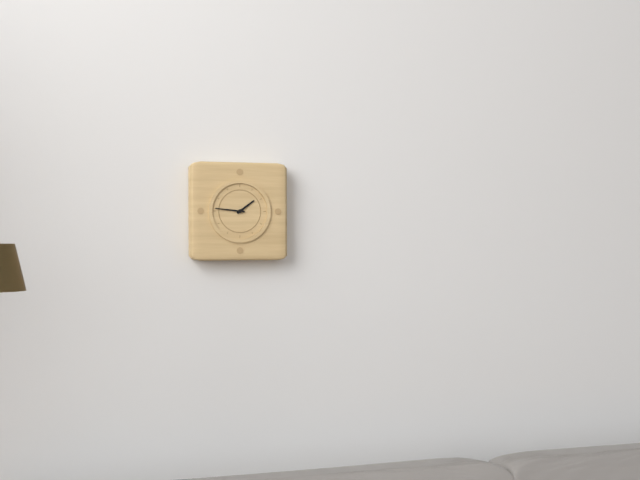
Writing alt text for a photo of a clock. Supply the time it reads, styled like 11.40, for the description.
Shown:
1.46
